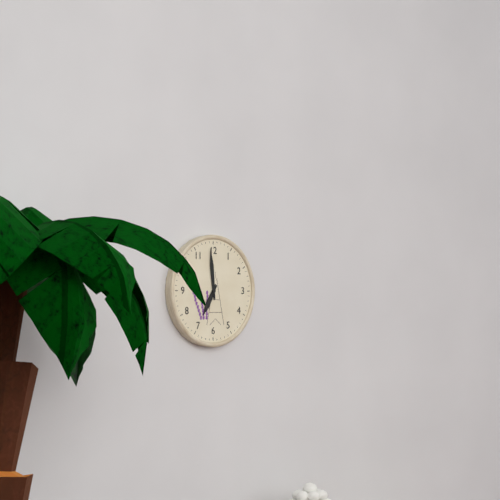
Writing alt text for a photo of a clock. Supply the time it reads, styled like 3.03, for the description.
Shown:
6.59
